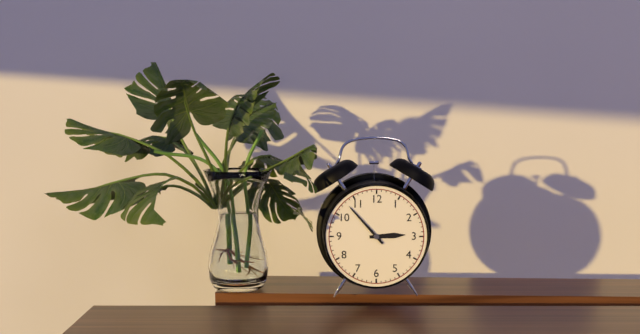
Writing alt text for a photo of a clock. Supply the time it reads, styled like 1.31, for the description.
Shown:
2.53
